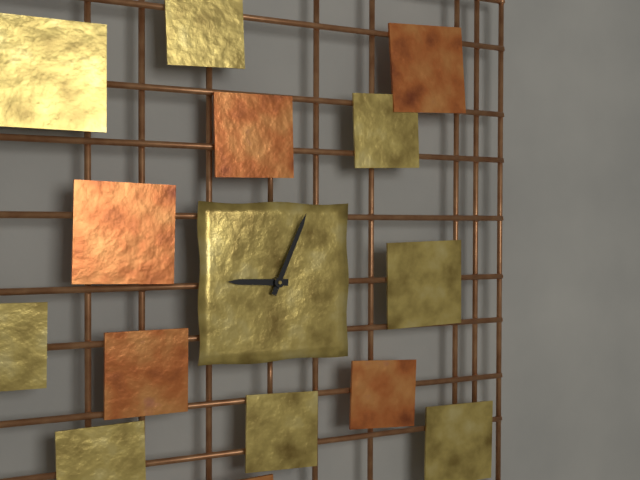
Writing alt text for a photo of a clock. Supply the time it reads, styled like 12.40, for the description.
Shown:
9.04
